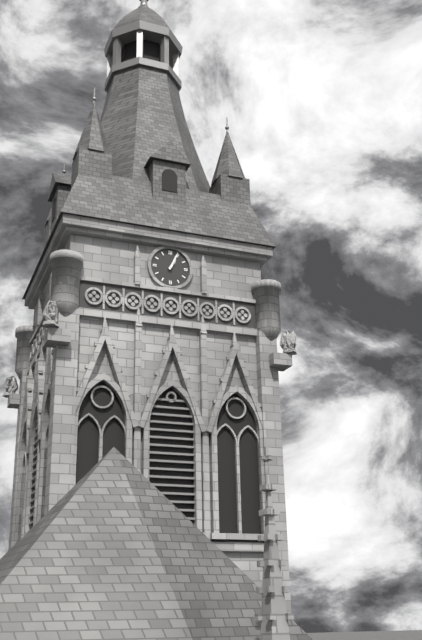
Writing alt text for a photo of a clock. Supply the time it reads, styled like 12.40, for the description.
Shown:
1.04
